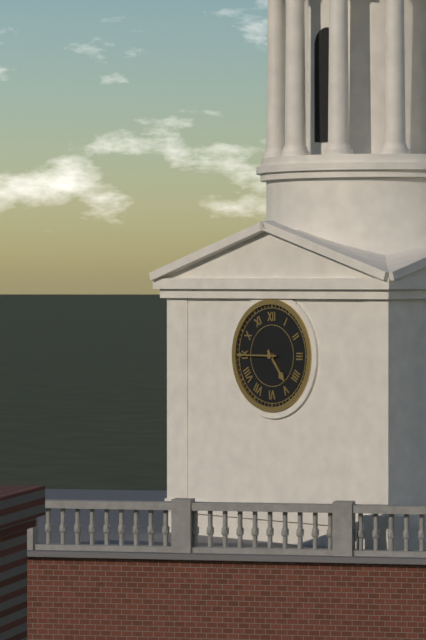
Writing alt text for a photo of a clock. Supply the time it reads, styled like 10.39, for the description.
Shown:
4.45
